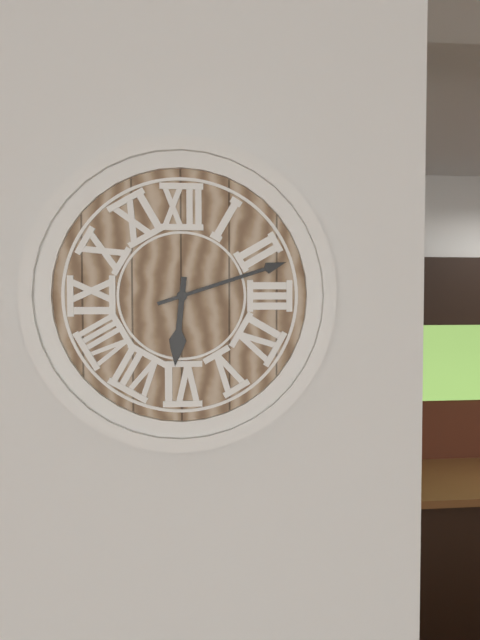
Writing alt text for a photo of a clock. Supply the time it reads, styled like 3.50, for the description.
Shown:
6.12
